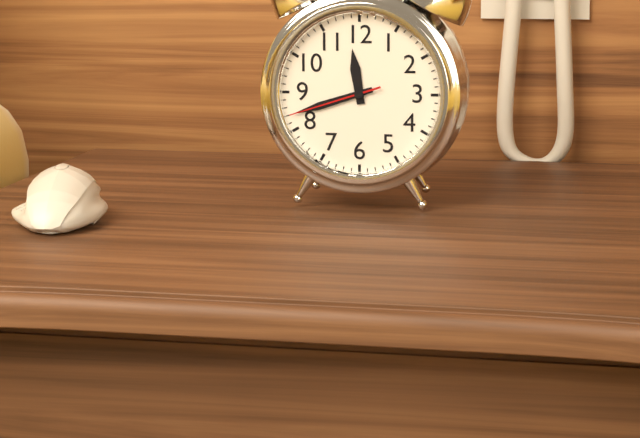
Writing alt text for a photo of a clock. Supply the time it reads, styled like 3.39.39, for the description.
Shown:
11.42.42
